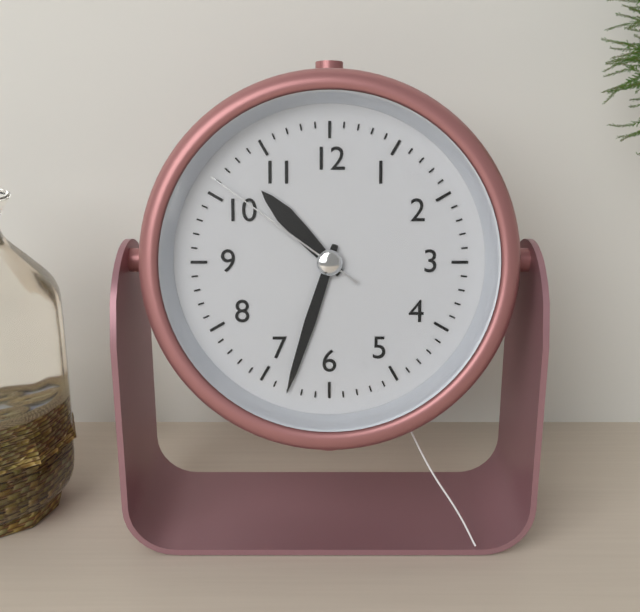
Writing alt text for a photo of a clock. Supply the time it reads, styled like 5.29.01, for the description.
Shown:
10.33.51
